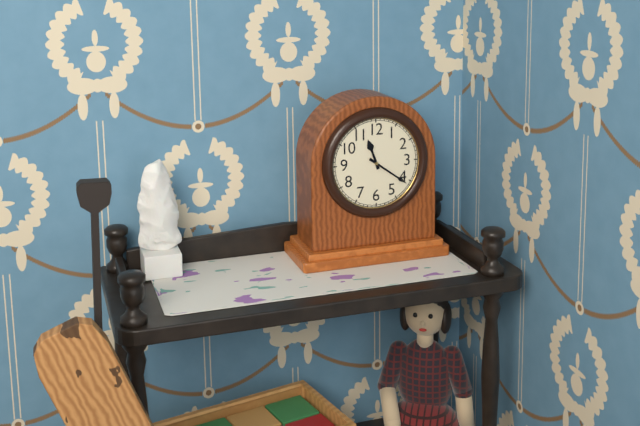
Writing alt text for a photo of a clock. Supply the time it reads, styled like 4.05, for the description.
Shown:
11.21
